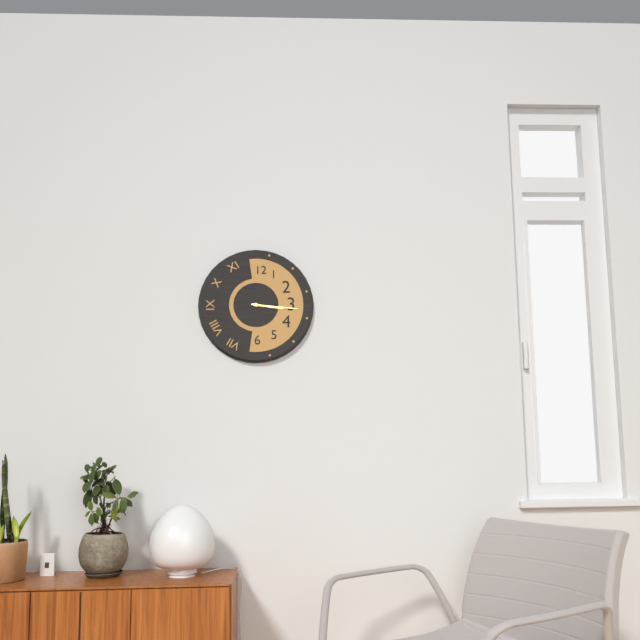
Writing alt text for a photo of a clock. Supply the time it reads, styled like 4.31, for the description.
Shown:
3.16
